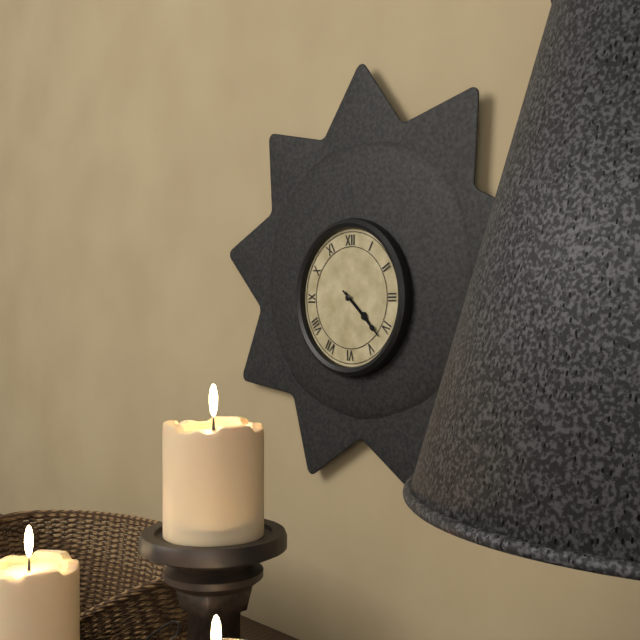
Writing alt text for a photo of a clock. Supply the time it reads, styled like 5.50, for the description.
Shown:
4.22
